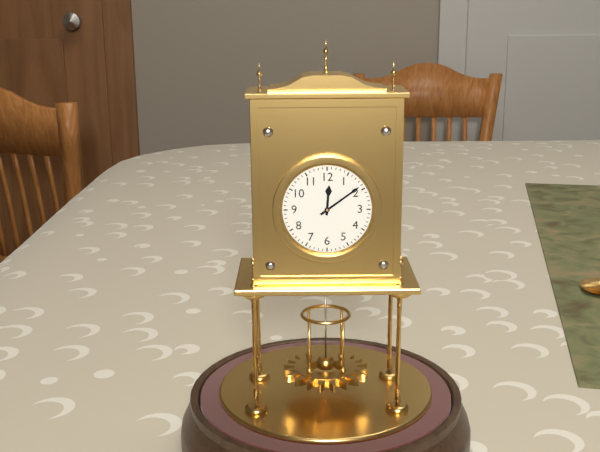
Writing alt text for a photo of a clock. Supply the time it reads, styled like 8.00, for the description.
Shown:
12.09
